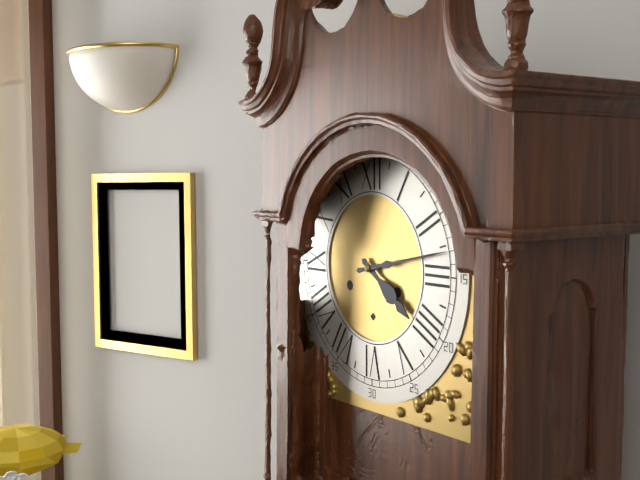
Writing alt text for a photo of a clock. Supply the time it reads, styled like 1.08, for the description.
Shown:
4.13
